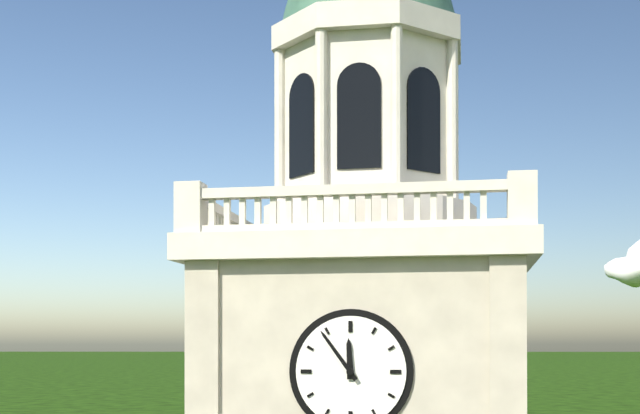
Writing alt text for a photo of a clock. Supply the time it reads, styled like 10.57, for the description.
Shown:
11.54
